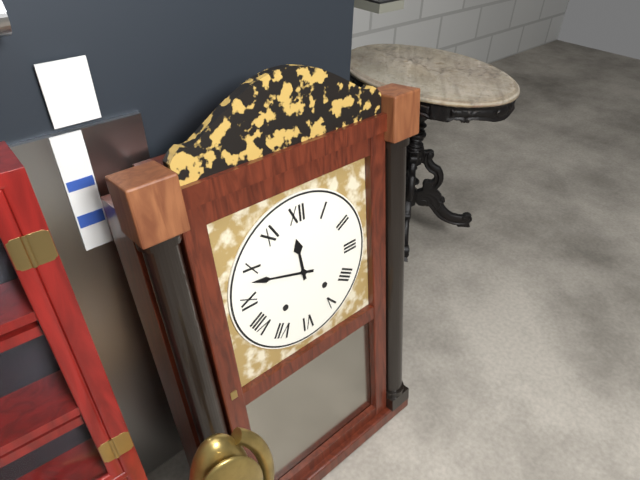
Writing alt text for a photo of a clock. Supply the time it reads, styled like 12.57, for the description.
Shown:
11.48
